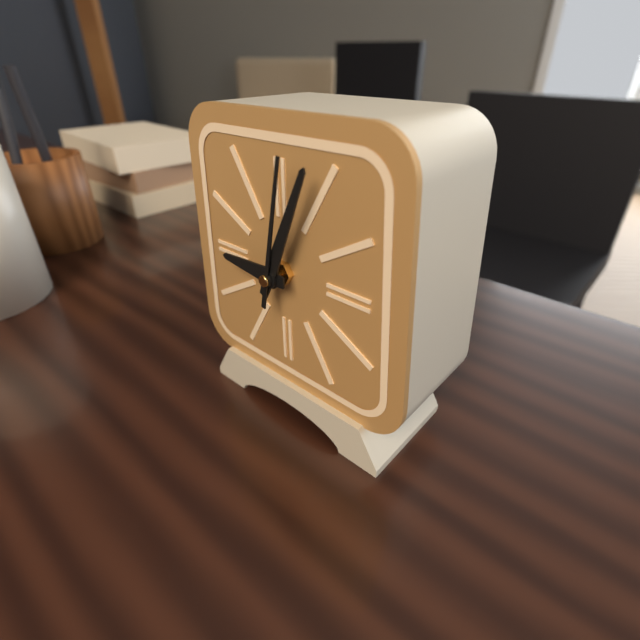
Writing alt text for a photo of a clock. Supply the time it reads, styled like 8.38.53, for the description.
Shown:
9.04.02
